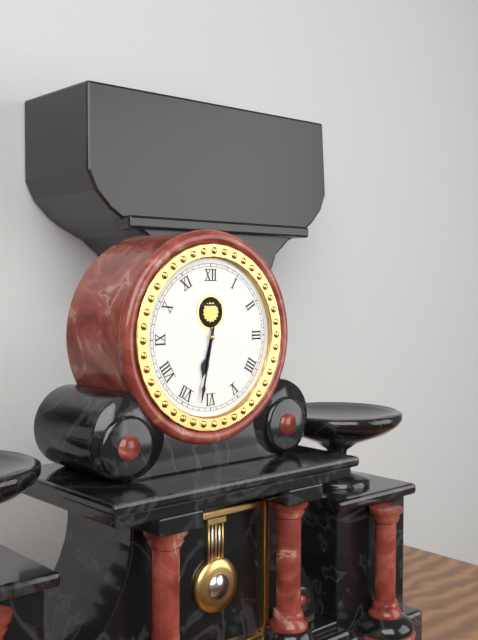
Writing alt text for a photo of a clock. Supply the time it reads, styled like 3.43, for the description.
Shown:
6.32
